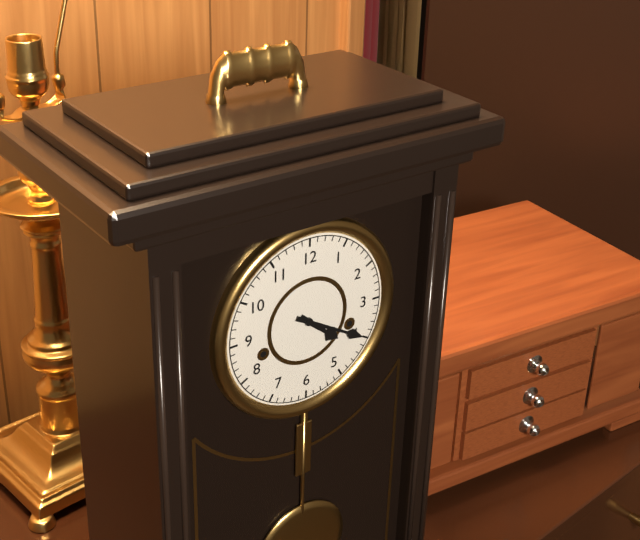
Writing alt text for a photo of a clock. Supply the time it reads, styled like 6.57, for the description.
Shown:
4.20
